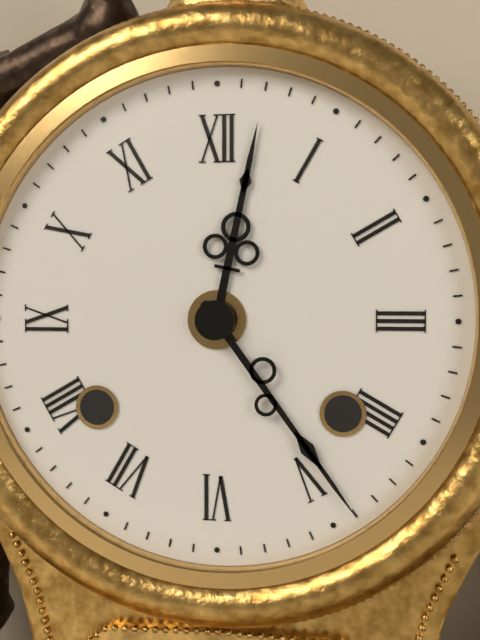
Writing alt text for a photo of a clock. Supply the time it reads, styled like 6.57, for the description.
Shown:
12.24
